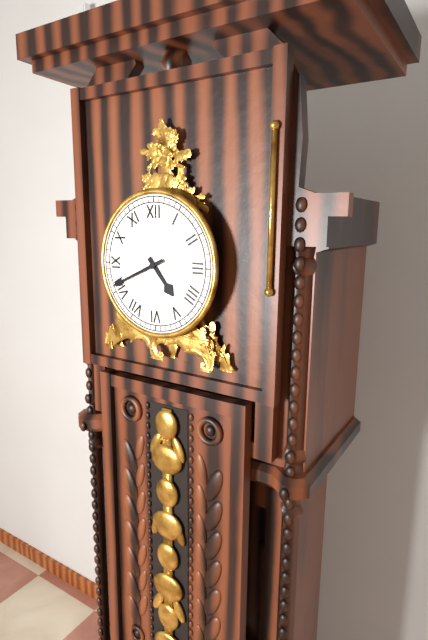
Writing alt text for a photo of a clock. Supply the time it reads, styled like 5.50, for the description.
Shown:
4.41
